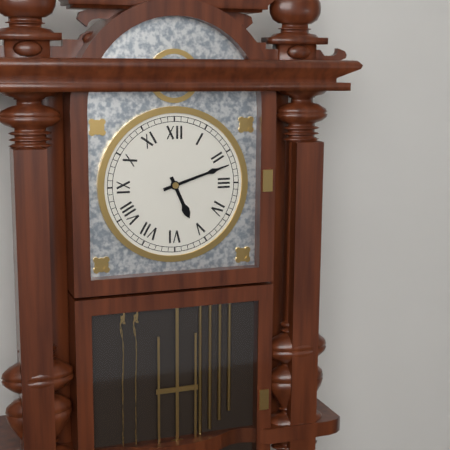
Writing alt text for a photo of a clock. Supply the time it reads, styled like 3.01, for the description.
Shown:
5.12
